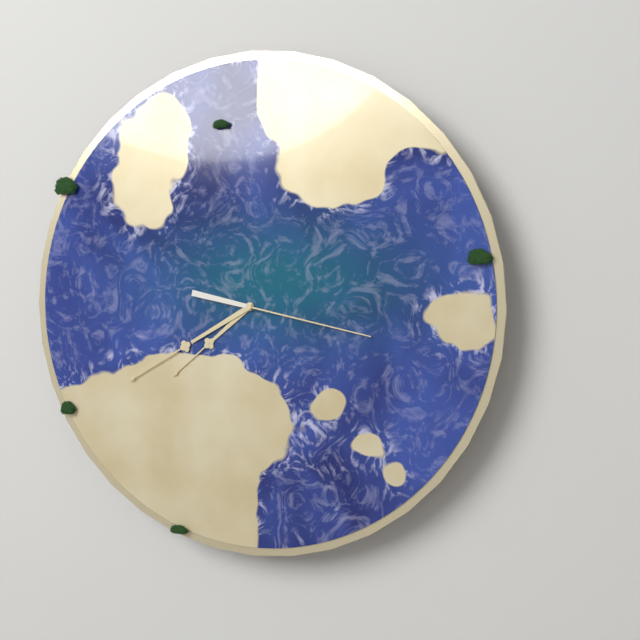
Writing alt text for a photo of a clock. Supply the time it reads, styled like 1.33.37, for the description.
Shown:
7.40.17
